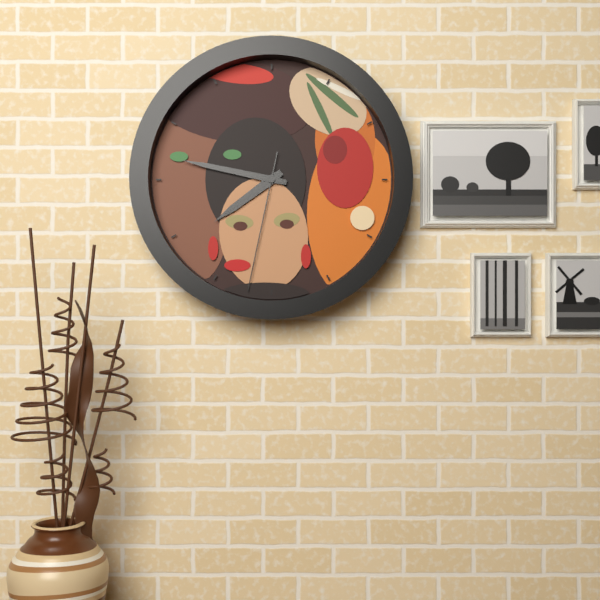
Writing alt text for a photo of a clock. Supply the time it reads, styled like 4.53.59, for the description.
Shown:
7.47.32
